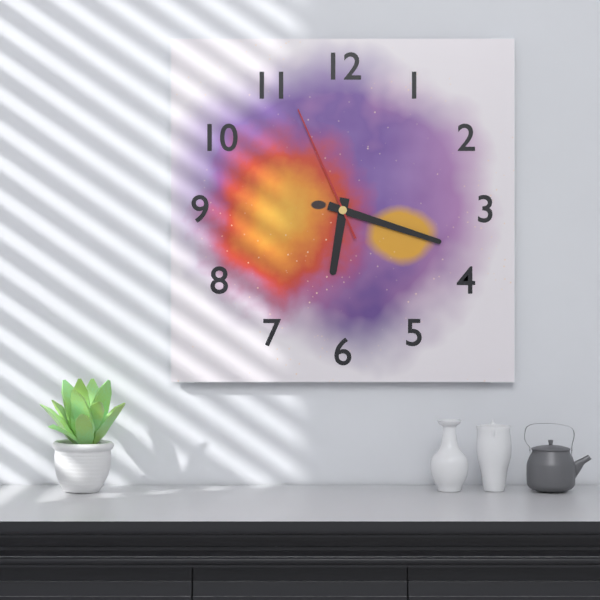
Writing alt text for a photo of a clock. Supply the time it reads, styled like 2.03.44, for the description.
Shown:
6.18.56
